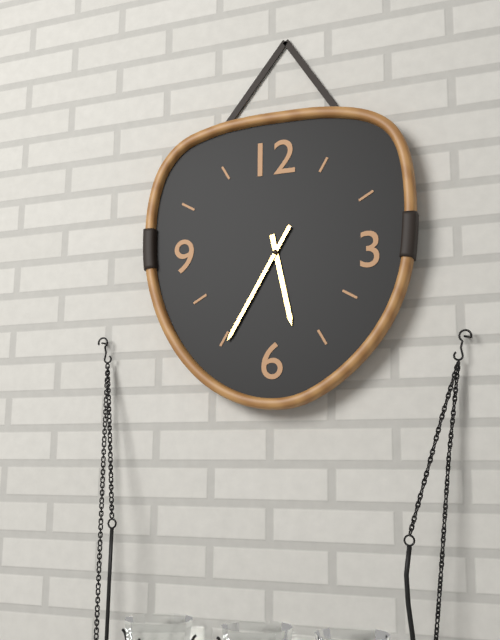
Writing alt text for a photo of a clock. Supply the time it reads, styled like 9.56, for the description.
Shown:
5.35
